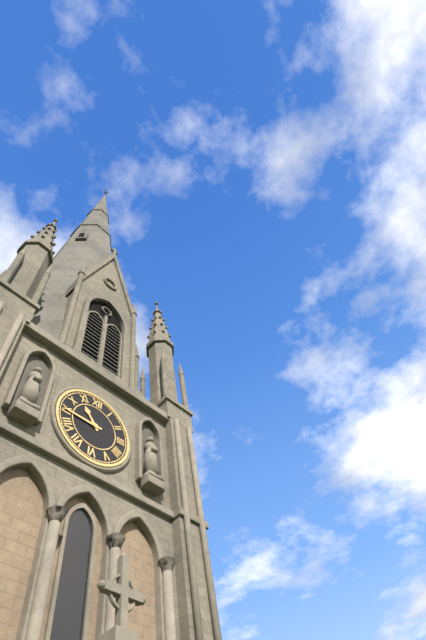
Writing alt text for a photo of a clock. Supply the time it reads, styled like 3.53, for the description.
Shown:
10.45
